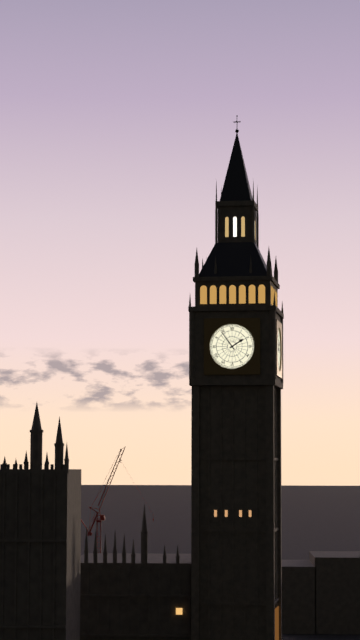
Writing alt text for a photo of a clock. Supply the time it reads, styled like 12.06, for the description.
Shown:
1.54
